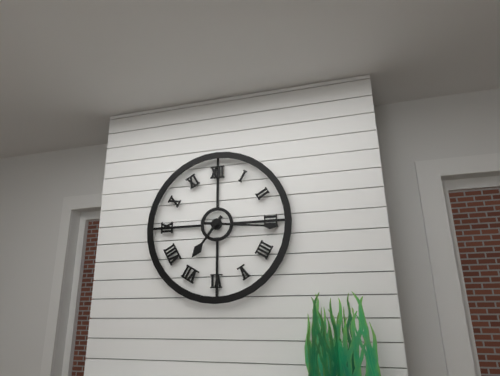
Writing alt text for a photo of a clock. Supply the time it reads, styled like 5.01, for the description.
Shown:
7.16
